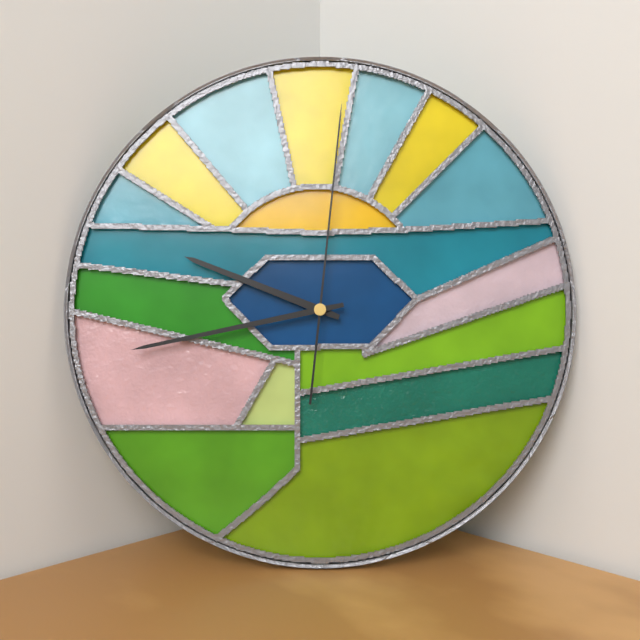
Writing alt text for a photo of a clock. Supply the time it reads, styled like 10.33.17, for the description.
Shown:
9.43.01
